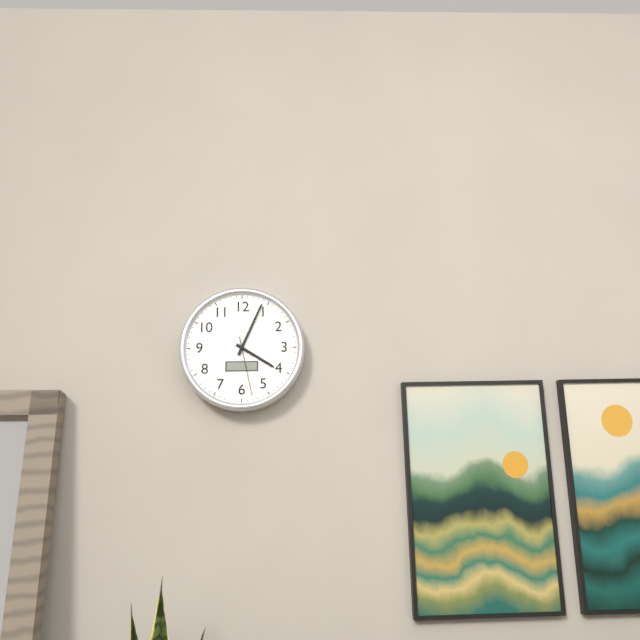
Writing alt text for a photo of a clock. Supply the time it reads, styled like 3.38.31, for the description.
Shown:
4.04.28
